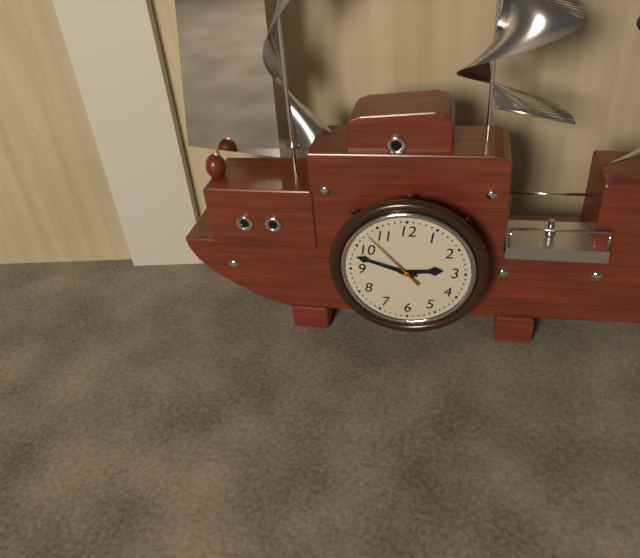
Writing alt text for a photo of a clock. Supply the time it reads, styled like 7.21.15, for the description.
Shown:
2.48.53
